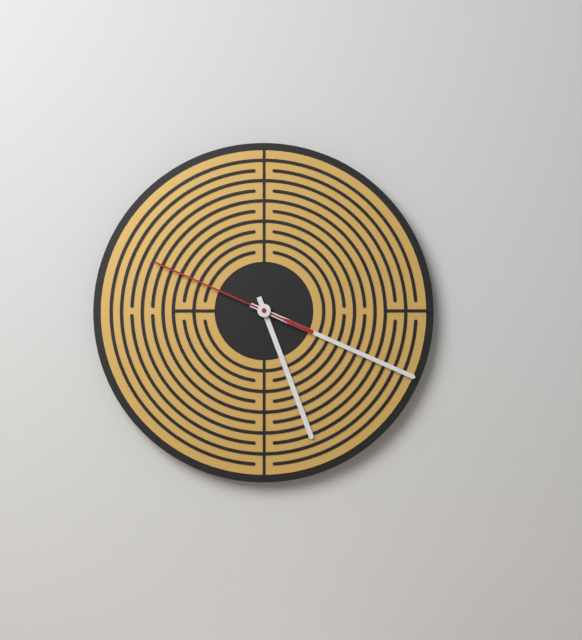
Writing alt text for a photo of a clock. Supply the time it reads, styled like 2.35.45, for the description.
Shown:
5.19.49
